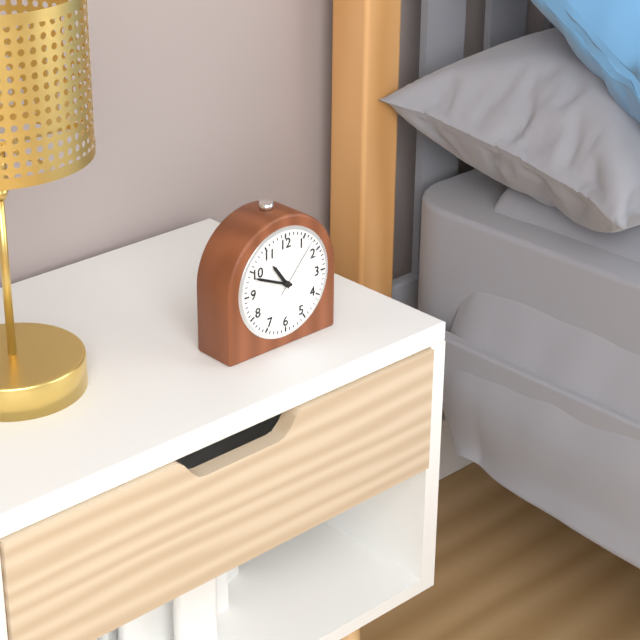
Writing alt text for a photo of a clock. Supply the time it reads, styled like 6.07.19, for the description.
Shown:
10.49.07
